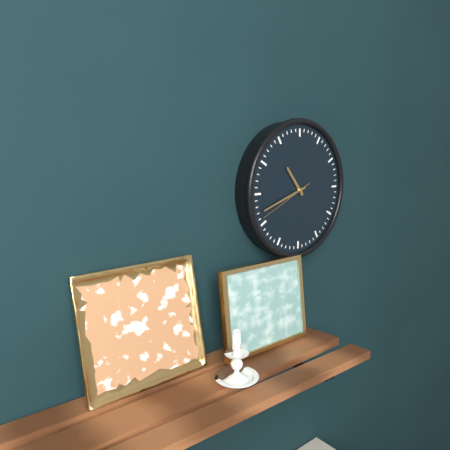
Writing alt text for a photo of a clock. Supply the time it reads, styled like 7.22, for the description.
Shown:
10.42
